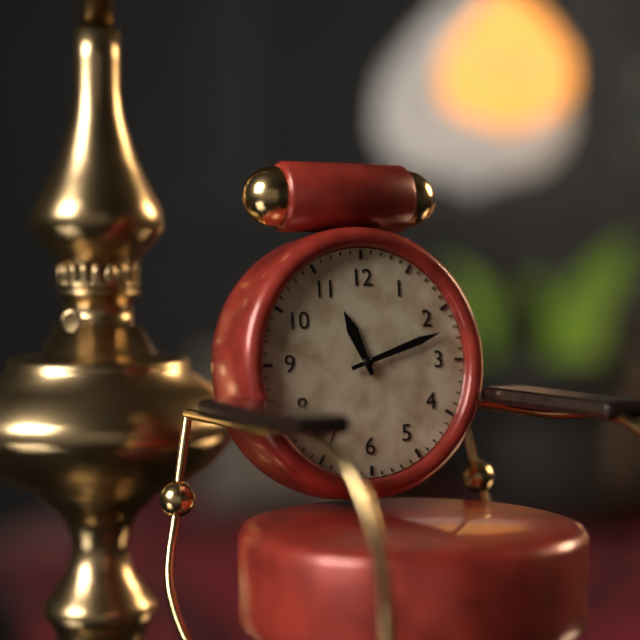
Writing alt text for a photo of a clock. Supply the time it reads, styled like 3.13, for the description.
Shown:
11.12
